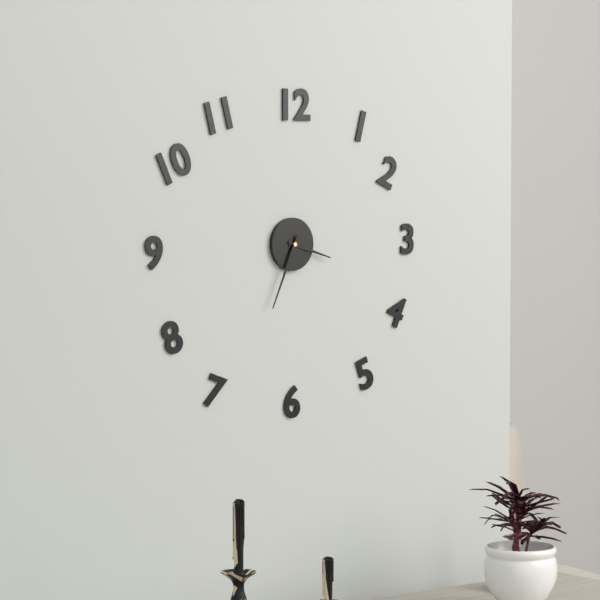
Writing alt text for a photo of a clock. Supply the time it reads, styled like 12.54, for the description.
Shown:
3.34
